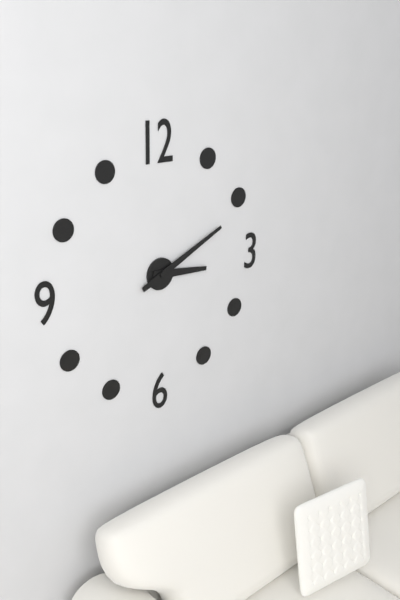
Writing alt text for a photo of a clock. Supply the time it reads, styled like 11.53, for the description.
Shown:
3.11
